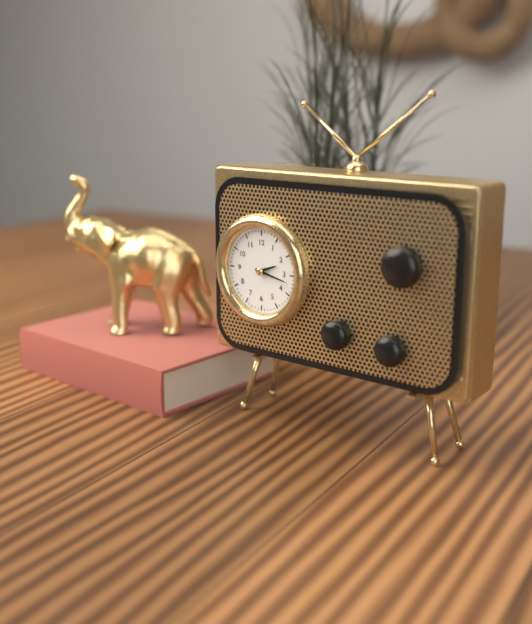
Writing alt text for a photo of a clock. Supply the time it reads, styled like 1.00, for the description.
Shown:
2.17
